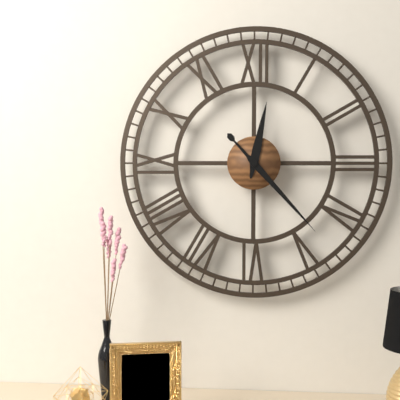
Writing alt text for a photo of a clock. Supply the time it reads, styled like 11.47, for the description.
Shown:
12.23
